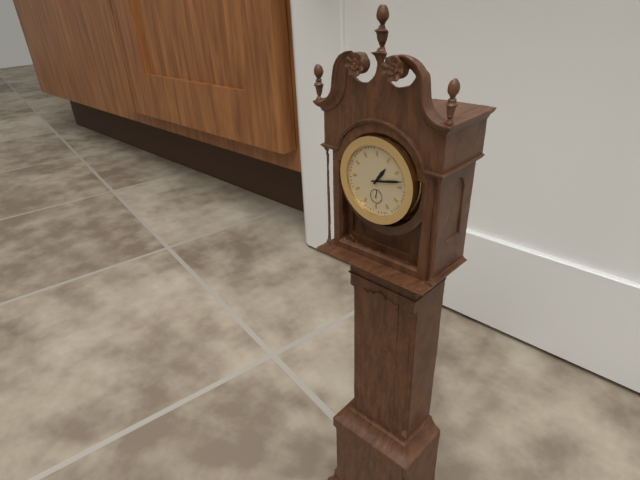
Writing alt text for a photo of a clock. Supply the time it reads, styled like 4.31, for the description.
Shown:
1.13
